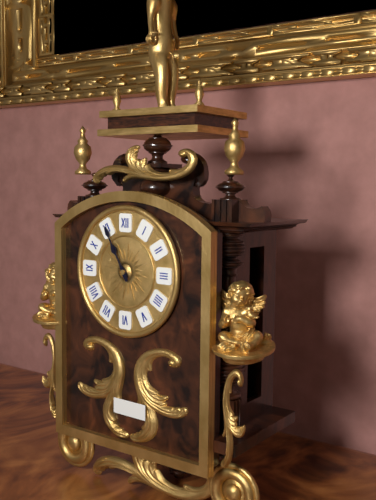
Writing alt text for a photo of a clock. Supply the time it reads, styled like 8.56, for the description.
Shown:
10.55
